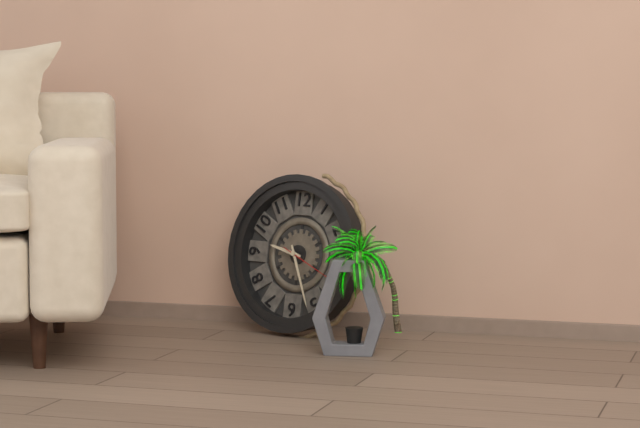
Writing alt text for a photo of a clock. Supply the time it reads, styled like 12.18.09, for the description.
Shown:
9.26.19
